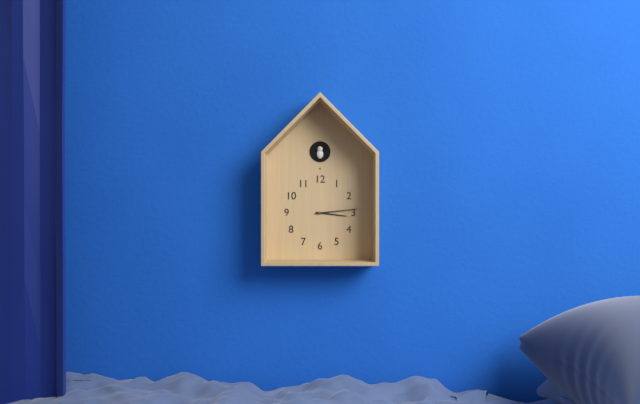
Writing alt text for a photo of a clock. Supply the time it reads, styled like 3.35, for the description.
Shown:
3.14
